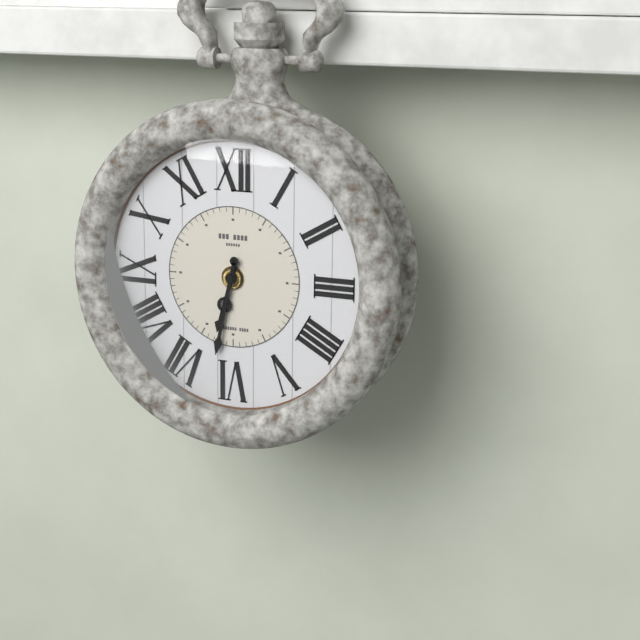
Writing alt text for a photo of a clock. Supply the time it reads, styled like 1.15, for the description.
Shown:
6.32
